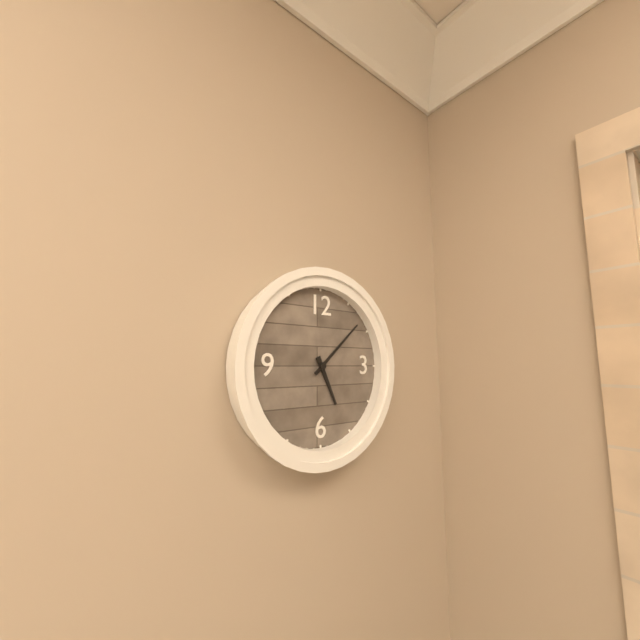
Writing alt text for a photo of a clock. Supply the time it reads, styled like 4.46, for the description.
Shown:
5.08
